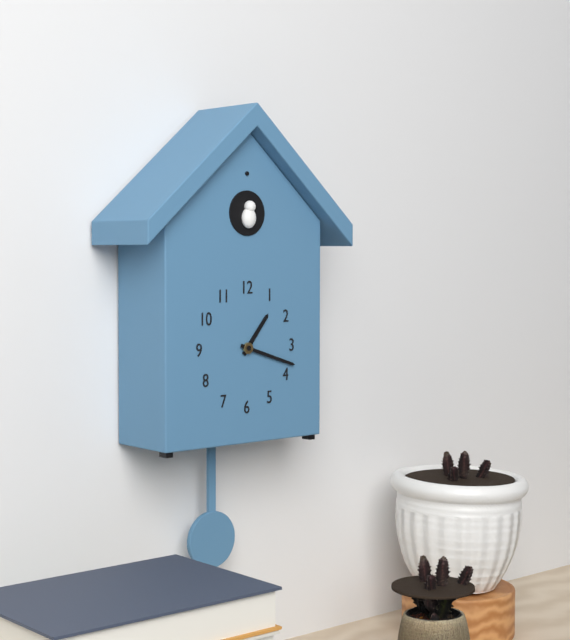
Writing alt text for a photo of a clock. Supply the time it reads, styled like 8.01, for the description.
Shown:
1.18
